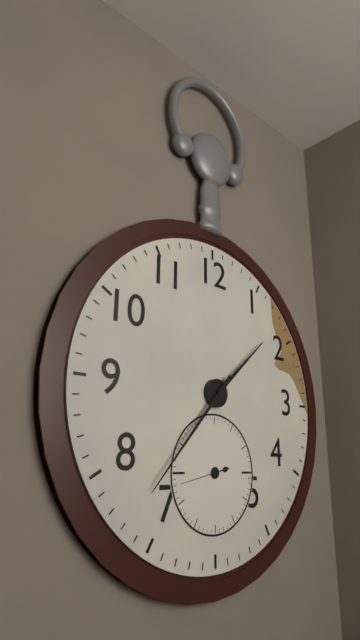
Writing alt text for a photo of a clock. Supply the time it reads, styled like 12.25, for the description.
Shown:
1.37
